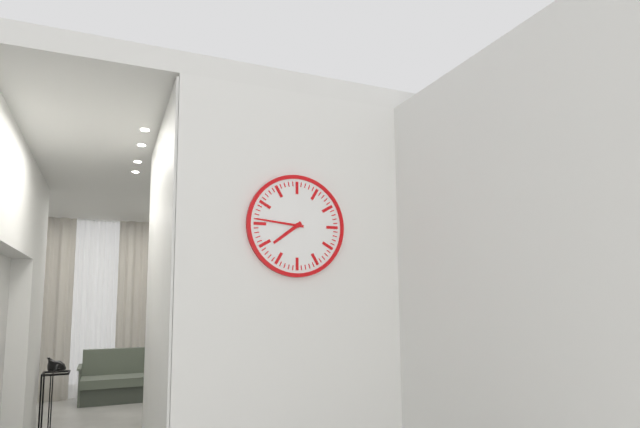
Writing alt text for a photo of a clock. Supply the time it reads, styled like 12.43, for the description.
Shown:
7.46
